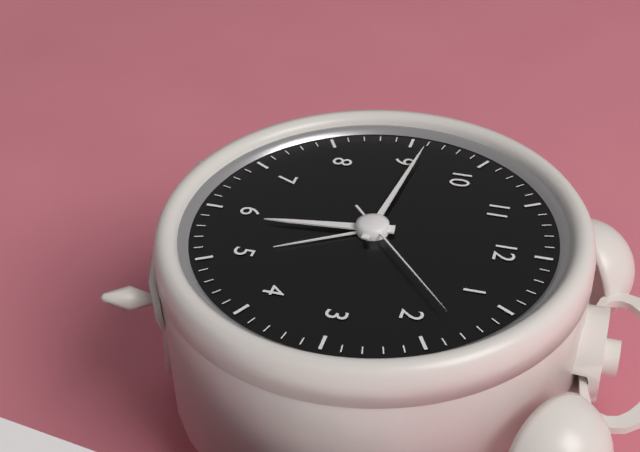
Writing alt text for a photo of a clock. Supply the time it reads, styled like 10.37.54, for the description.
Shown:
5.46.08
